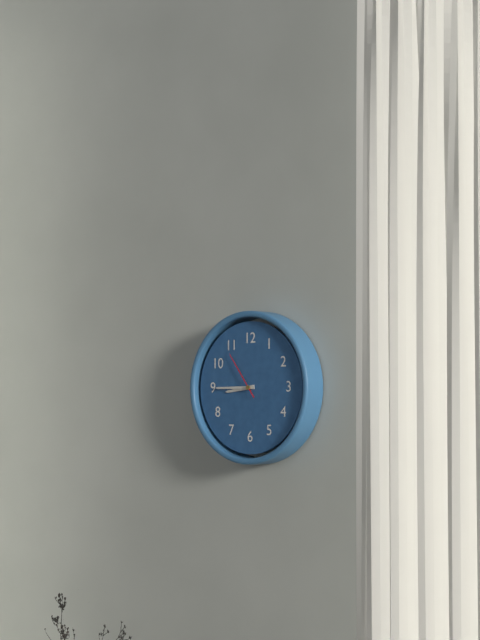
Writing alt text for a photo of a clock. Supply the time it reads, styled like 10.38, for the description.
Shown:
8.45
